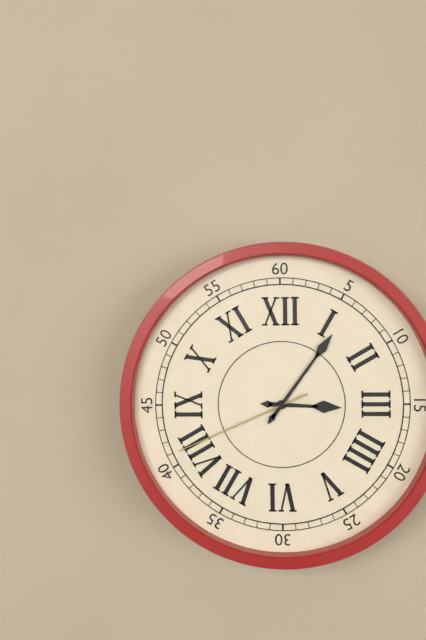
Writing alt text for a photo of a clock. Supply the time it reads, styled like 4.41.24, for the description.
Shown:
3.06.41
